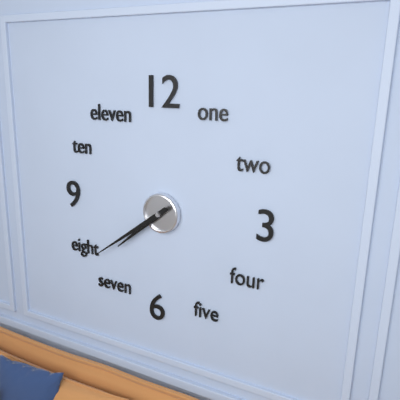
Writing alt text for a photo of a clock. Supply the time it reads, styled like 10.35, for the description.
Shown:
7.39
